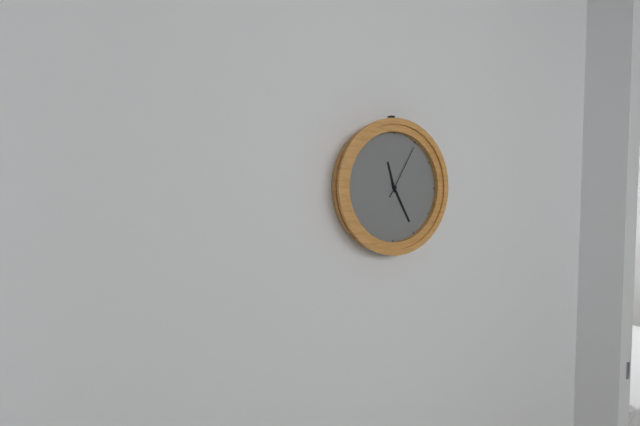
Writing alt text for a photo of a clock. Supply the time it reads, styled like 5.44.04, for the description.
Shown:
11.25.05
